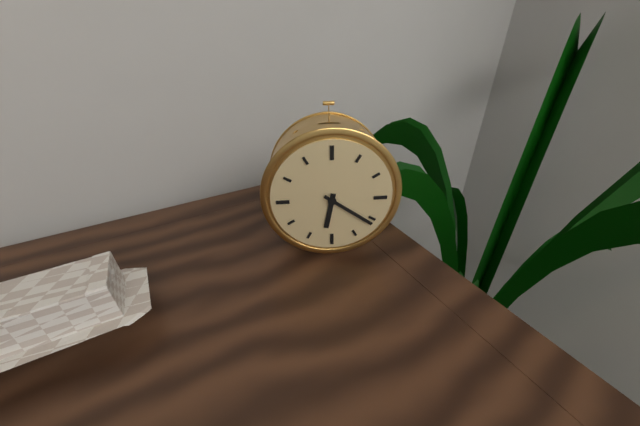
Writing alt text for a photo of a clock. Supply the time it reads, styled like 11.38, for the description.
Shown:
6.21
